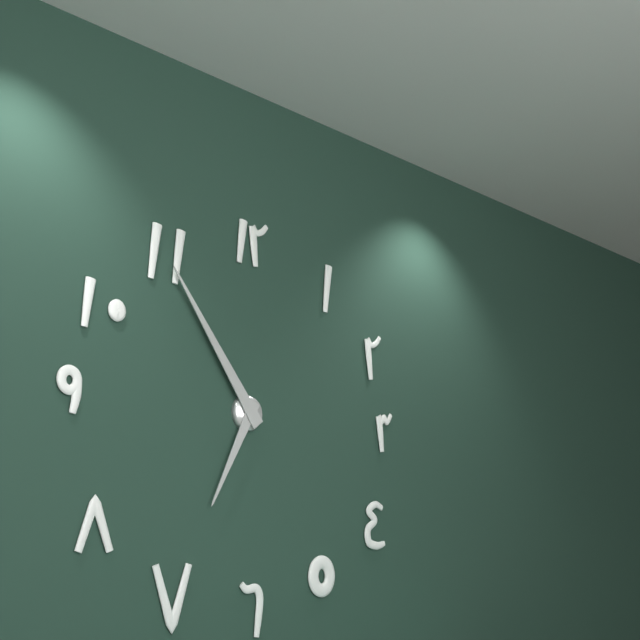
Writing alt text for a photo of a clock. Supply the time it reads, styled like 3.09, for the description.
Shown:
6.54
